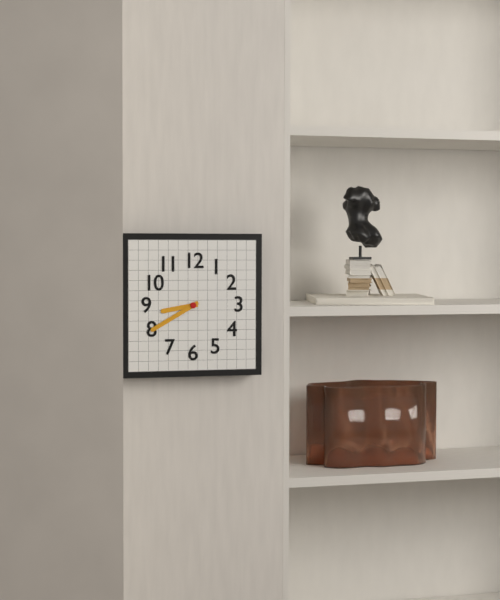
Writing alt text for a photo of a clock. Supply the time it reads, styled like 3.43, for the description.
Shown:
8.40
